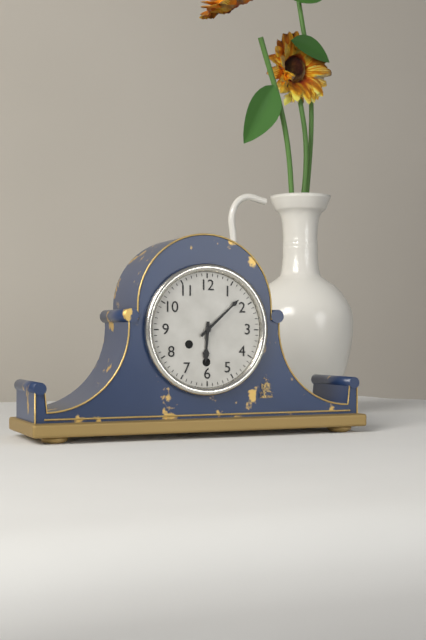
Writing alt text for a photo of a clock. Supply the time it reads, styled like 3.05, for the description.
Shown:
6.08
